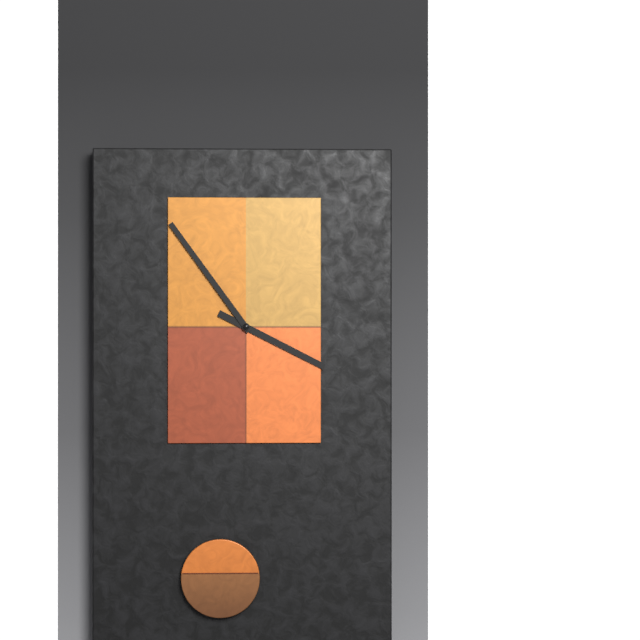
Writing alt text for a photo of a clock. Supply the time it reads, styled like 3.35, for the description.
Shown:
3.54
